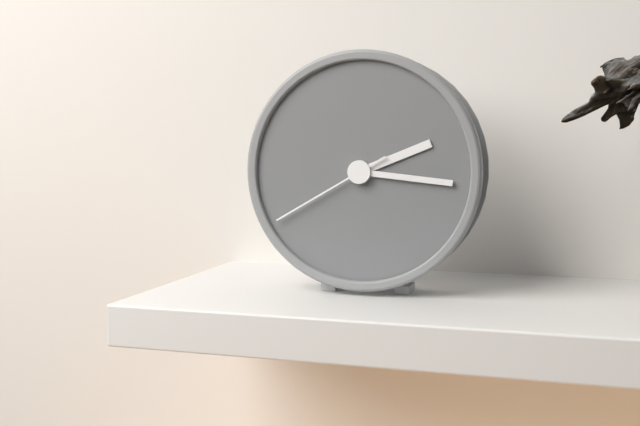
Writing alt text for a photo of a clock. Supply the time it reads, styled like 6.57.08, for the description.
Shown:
2.16.40
